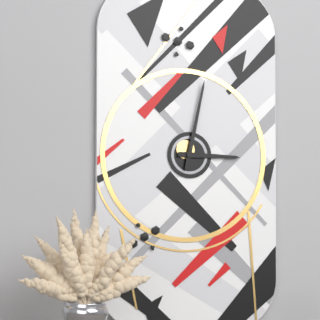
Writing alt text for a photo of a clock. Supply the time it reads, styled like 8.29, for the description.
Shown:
3.02
